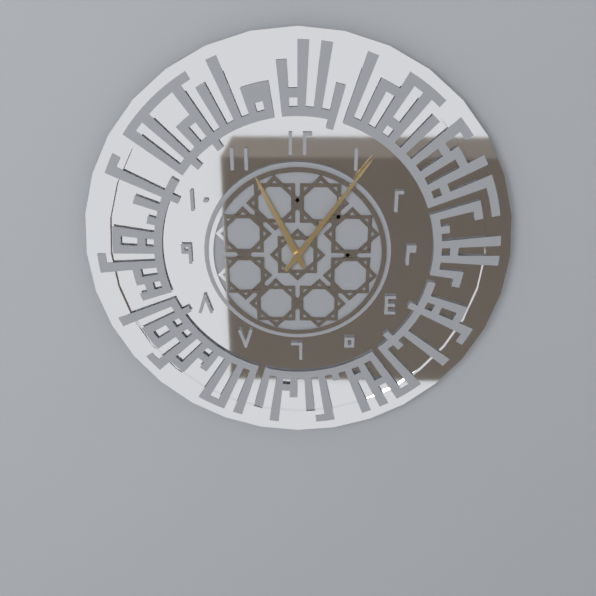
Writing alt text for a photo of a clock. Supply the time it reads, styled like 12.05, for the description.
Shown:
11.06
